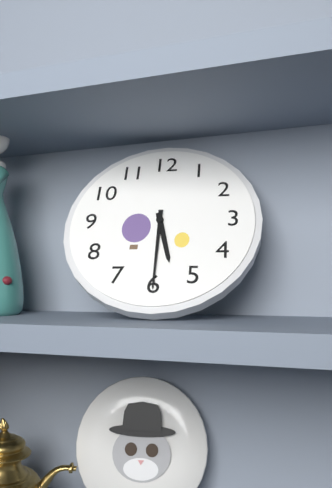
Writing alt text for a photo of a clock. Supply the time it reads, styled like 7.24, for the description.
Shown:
5.30
